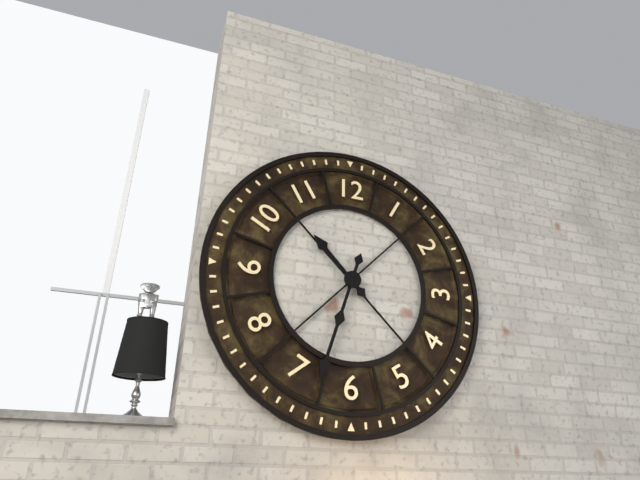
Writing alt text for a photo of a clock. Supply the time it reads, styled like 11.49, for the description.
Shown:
10.33
